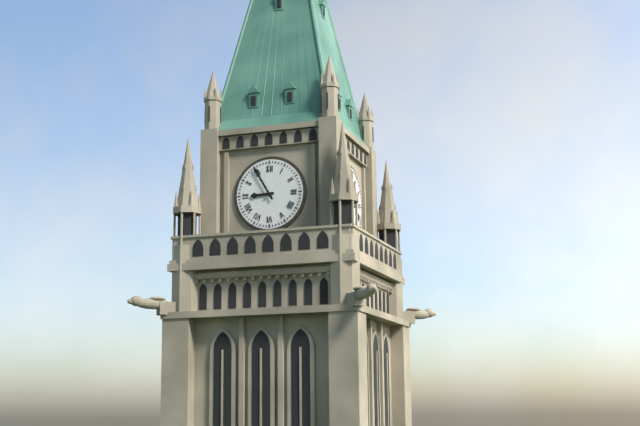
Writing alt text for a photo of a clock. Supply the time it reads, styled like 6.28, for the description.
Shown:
8.55
